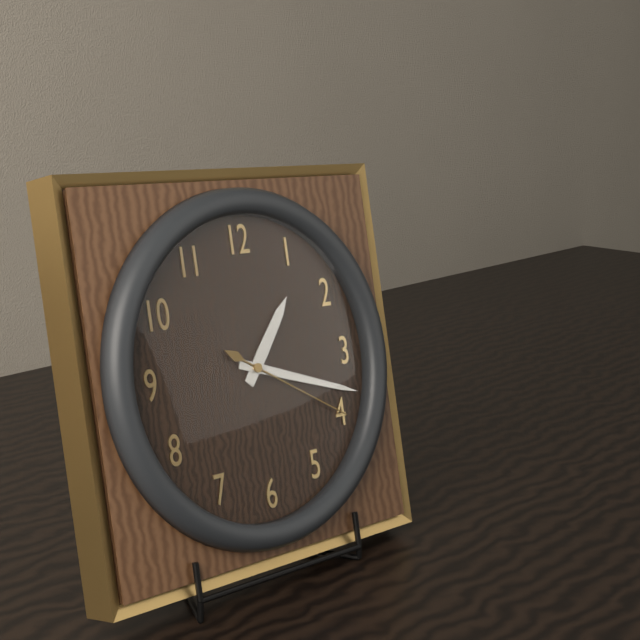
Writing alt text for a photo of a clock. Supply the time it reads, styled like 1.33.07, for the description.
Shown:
1.18.20
